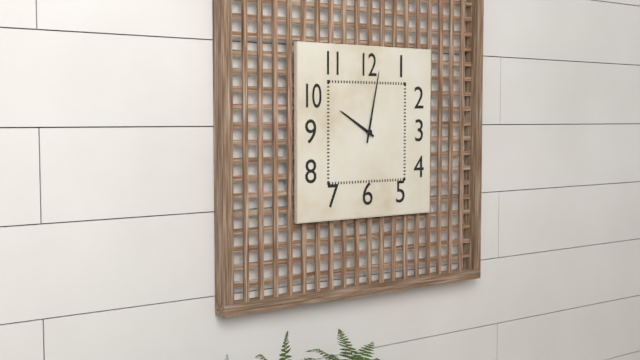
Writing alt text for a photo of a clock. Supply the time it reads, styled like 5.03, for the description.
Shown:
10.02
